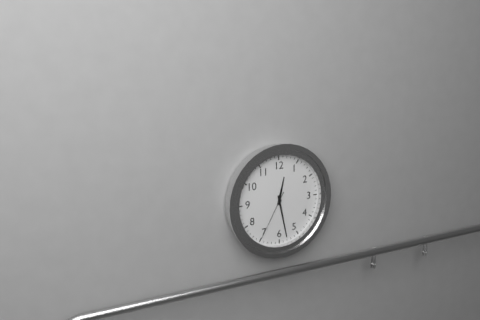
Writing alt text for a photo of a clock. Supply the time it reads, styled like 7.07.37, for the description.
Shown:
12.28.35
